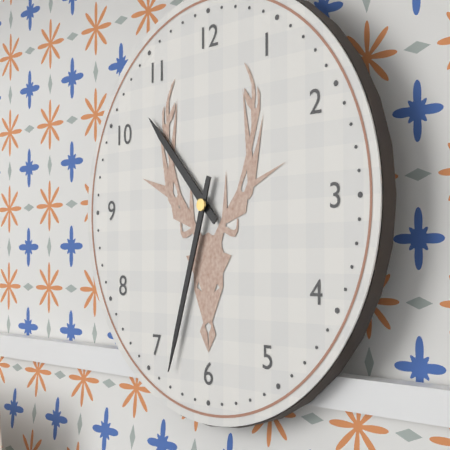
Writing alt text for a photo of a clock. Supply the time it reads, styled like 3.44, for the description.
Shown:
10.33
